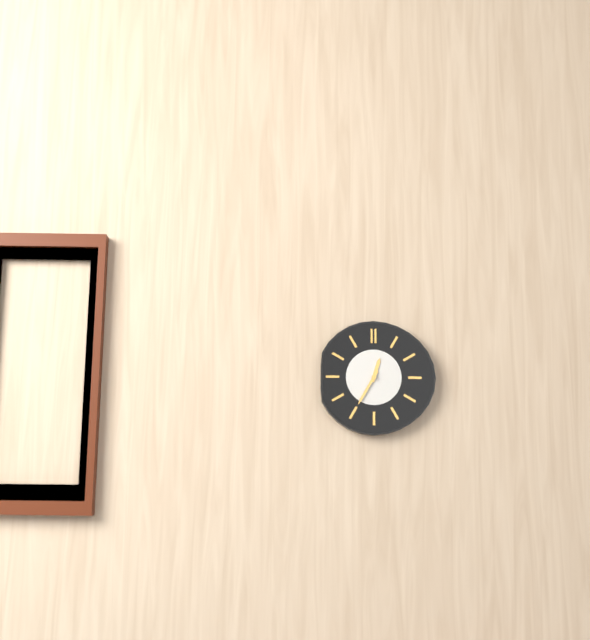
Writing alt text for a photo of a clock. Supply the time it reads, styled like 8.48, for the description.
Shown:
12.35
